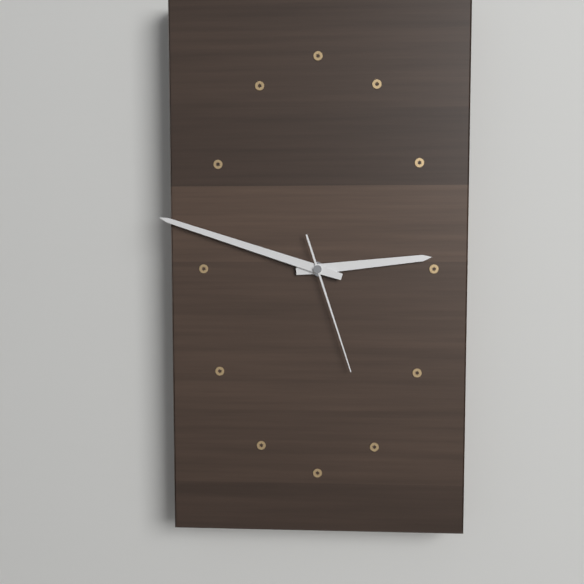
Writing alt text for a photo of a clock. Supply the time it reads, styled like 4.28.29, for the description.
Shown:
2.48.27
